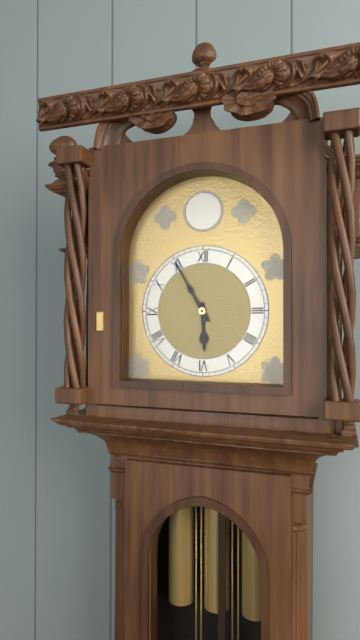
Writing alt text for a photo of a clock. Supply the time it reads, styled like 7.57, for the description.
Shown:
5.55
